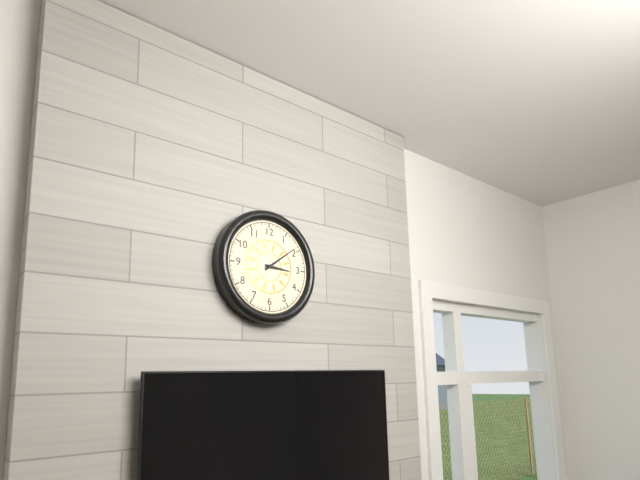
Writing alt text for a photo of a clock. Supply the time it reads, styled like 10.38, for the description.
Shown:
3.09
